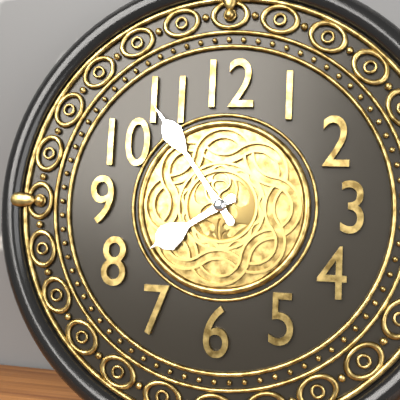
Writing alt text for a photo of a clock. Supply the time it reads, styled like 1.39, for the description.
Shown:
7.54
